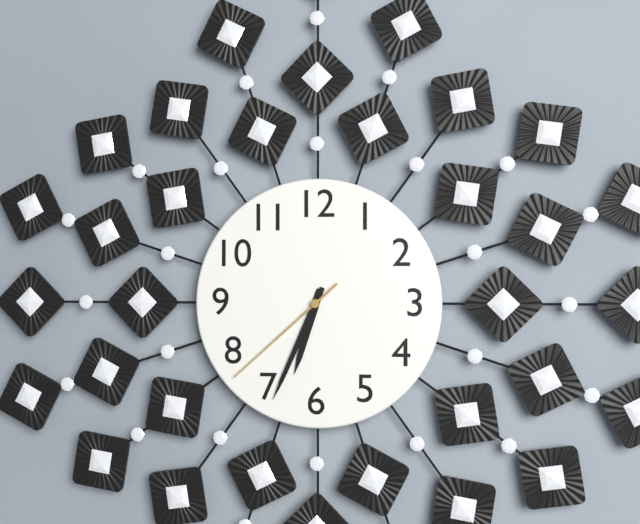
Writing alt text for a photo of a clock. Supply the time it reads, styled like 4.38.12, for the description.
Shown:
6.34.38
